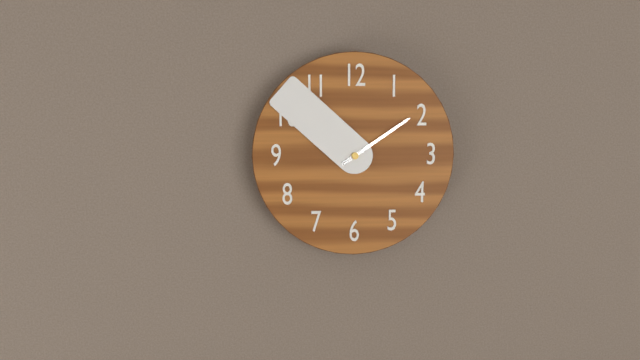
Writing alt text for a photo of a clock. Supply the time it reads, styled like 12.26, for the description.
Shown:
1.52
